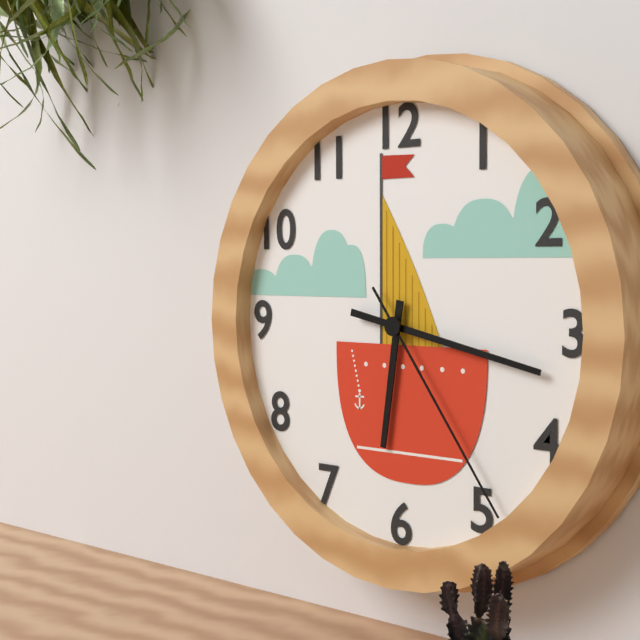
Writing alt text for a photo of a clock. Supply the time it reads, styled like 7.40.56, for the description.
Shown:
6.17.24
